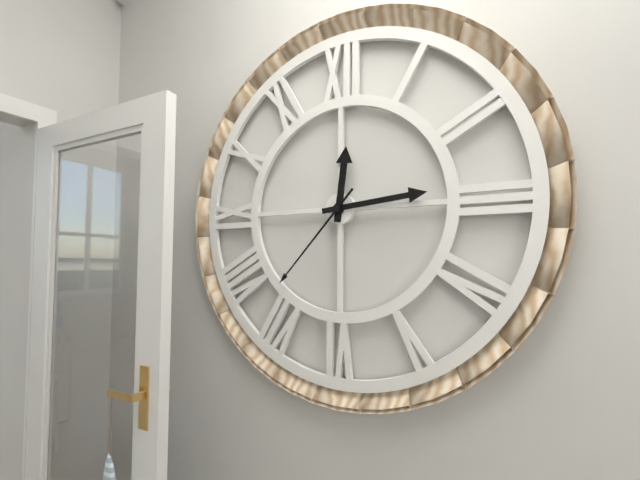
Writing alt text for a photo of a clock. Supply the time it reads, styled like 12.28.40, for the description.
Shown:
12.14.37
